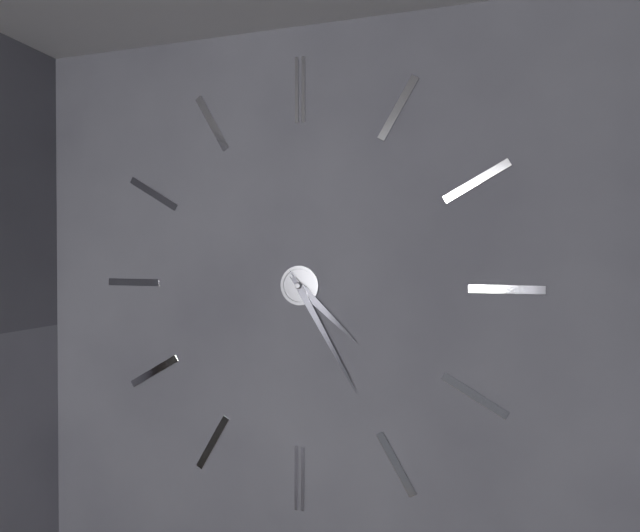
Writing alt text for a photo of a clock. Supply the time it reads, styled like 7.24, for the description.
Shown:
4.25
